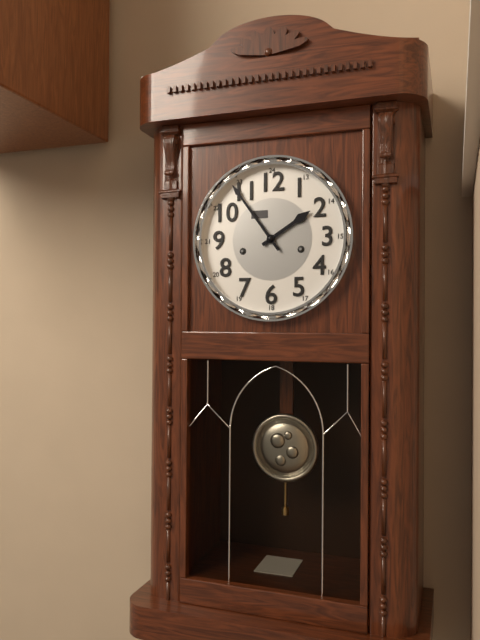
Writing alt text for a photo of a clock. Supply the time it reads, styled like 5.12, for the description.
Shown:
1.54
